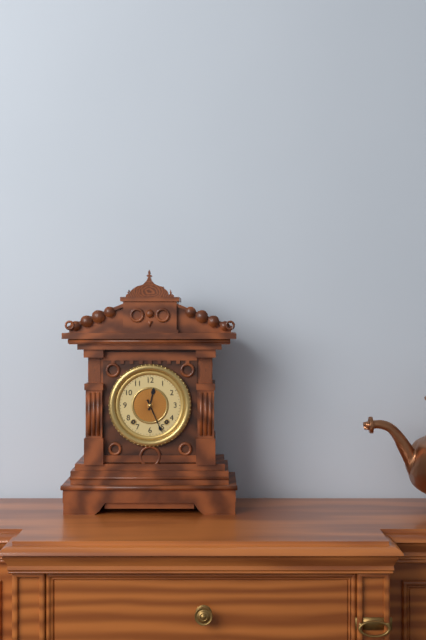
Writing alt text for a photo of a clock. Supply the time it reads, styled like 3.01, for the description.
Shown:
12.26
